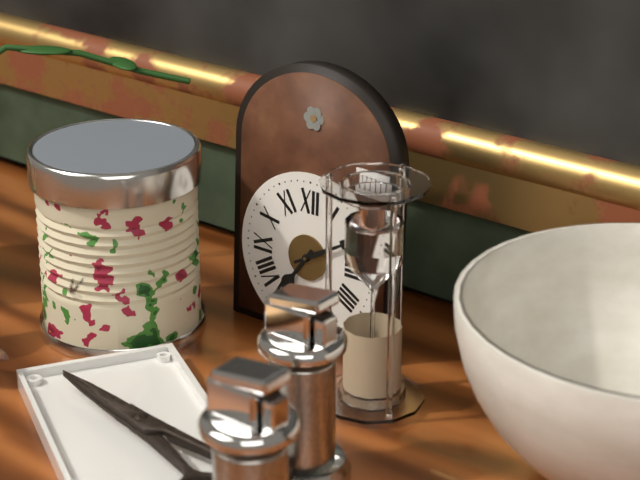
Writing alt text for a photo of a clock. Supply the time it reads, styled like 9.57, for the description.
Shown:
7.10
